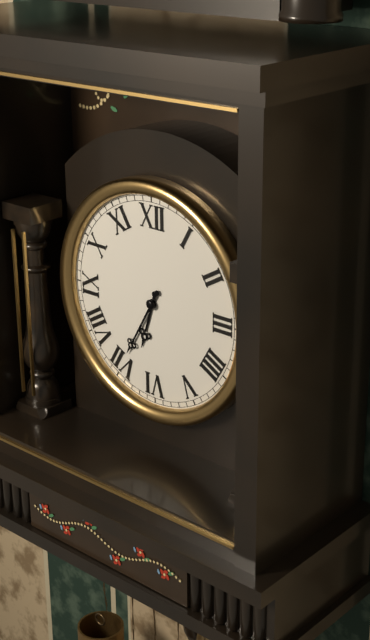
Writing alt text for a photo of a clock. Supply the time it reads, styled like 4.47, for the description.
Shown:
6.35
